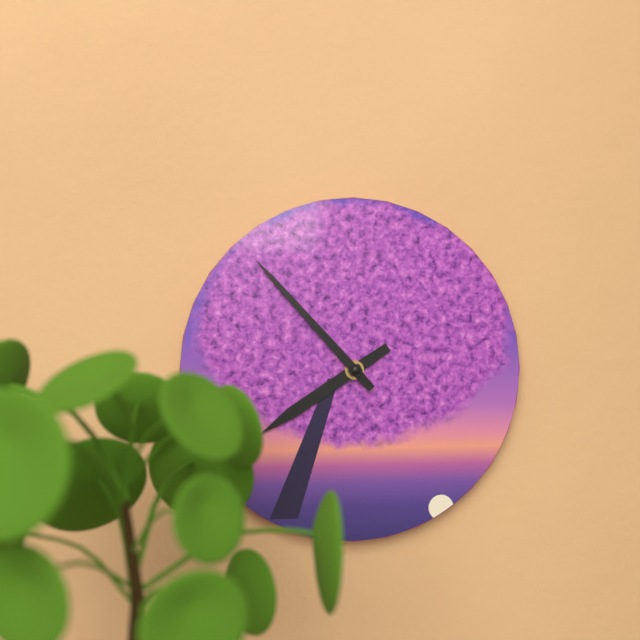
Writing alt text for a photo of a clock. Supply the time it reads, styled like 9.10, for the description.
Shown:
7.53
